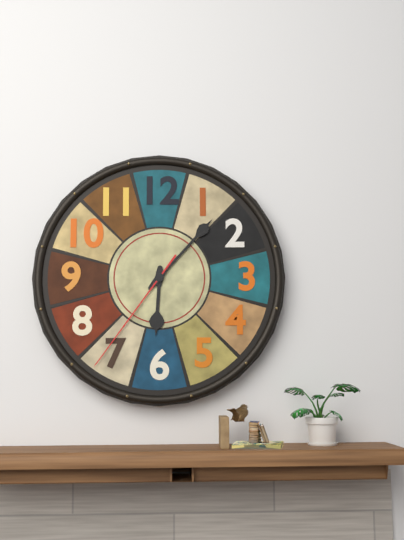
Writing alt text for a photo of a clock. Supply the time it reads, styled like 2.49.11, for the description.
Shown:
6.07.36
